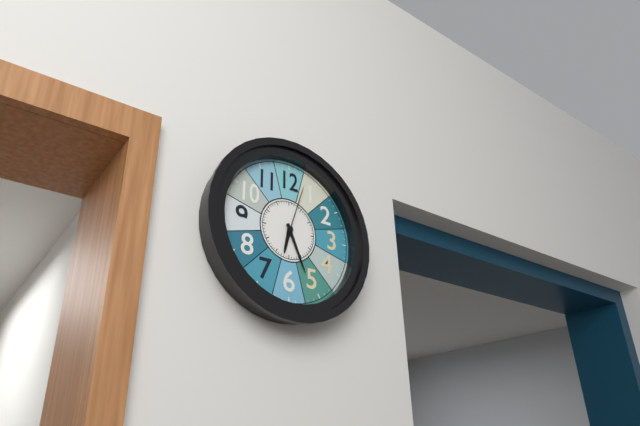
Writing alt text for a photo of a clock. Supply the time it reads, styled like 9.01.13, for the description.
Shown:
6.26.03
